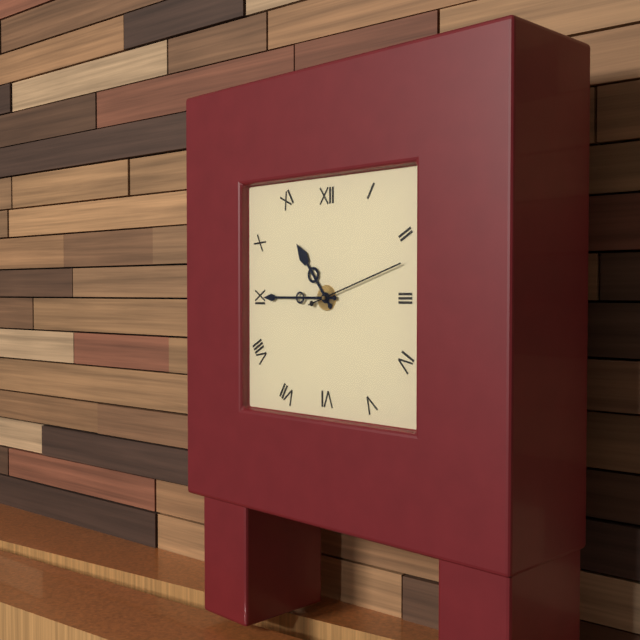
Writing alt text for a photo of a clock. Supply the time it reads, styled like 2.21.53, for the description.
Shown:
10.45.12
